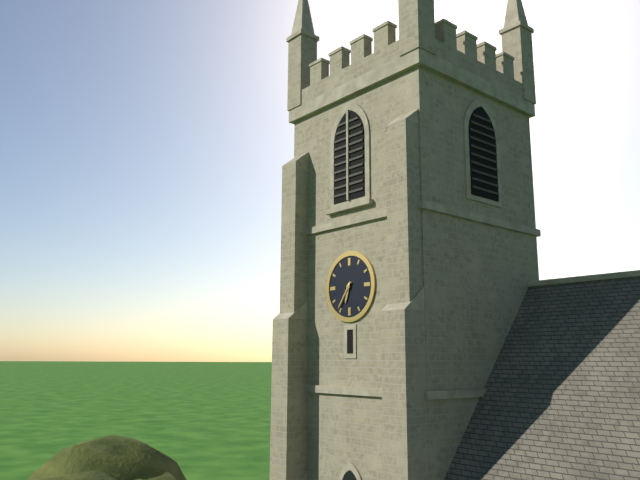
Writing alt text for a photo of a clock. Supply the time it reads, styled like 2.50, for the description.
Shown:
6.36
